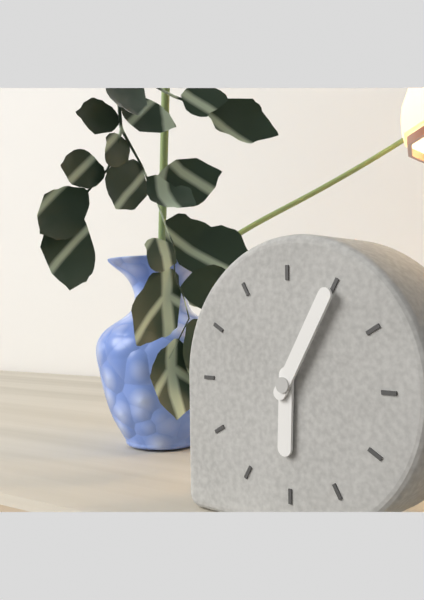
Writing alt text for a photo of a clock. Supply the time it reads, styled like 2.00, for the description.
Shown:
6.05
